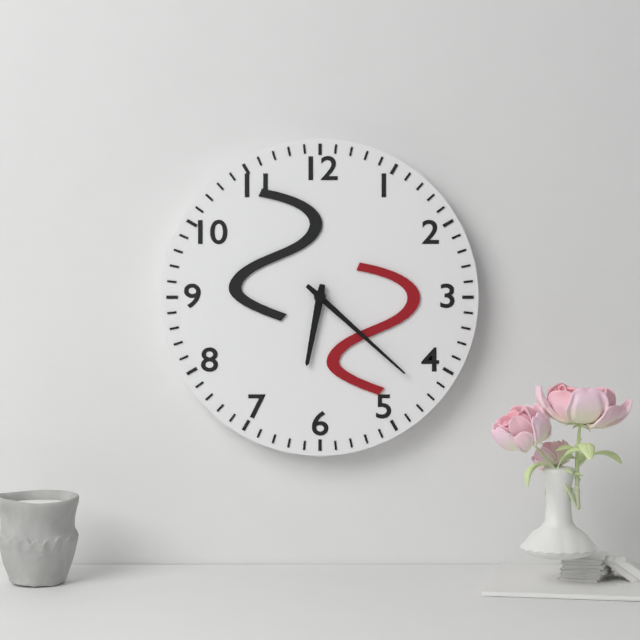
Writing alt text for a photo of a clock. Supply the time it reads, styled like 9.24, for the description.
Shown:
6.22
